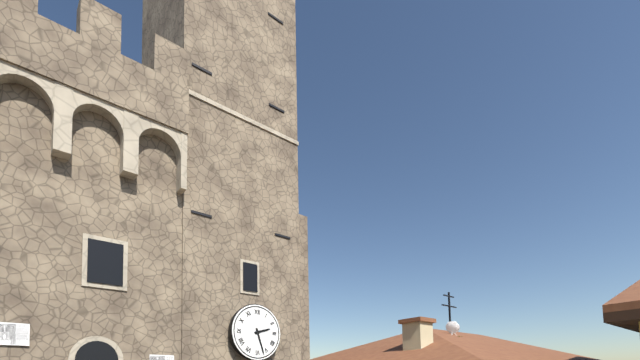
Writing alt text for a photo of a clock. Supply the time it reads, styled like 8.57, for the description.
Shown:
2.27
